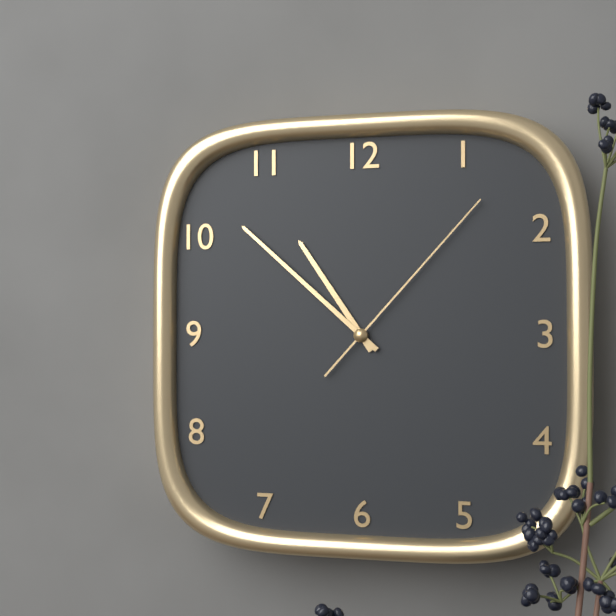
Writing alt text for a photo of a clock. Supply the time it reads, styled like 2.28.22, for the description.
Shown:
10.52.07
